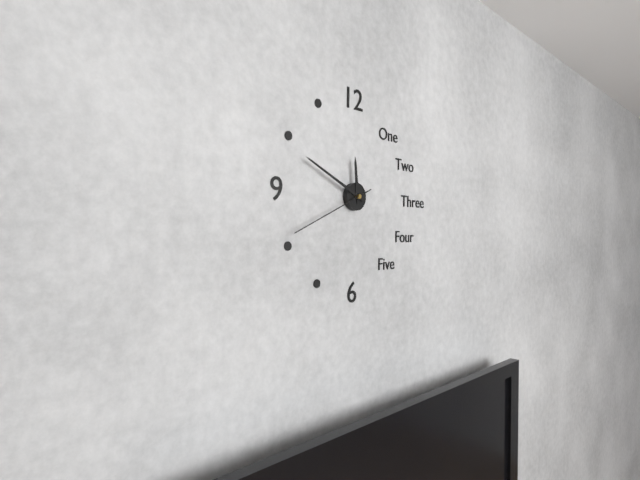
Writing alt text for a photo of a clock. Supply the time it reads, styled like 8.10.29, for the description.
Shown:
11.49.41
